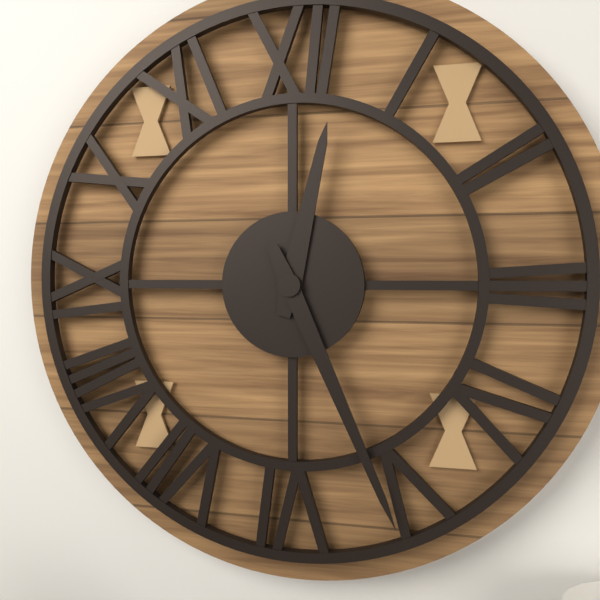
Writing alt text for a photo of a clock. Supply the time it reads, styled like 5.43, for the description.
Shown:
12.26
